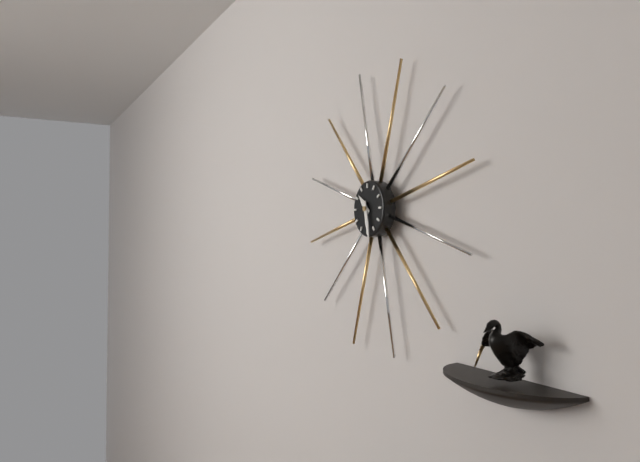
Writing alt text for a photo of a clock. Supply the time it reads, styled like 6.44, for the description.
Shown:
10.28
